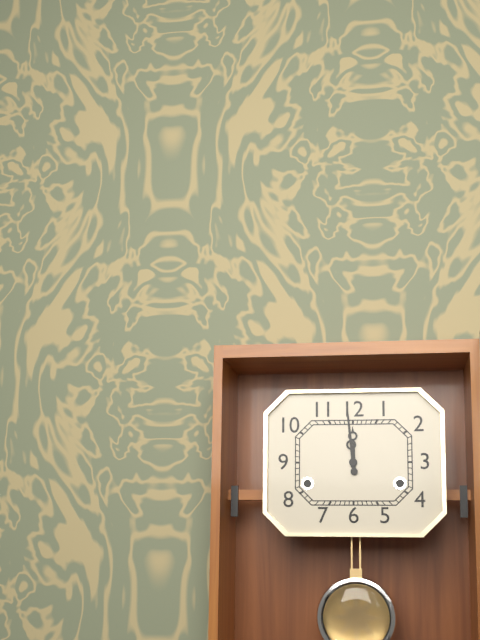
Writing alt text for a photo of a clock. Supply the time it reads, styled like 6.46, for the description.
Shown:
11.59
